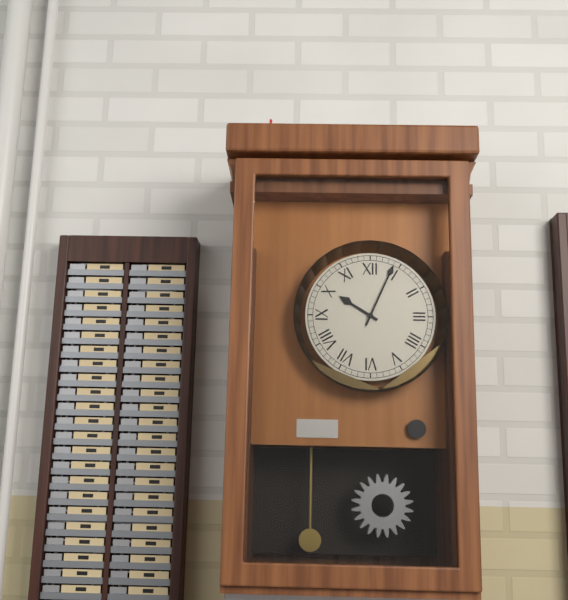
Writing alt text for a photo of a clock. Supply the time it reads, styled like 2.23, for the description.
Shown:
10.04
